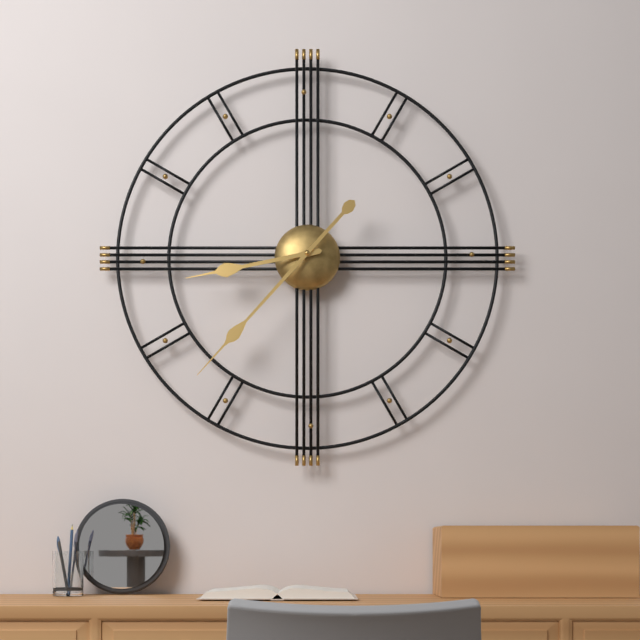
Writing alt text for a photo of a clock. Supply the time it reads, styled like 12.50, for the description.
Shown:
8.37
